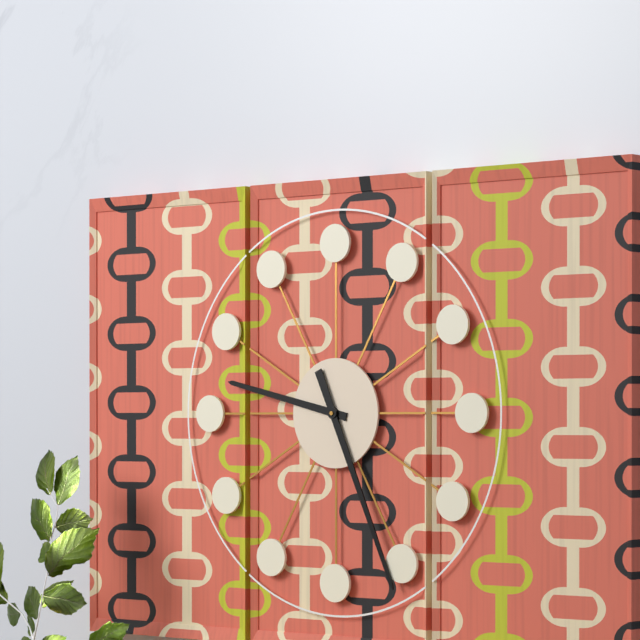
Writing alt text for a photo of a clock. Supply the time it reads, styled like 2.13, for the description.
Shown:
9.26
